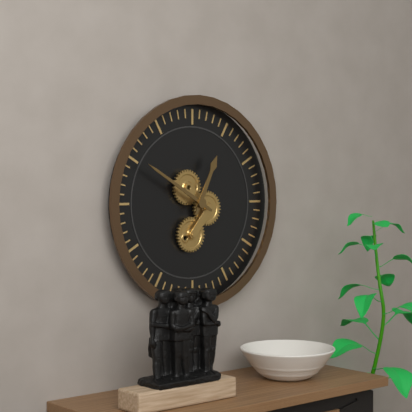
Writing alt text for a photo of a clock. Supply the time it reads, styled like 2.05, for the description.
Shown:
12.50
